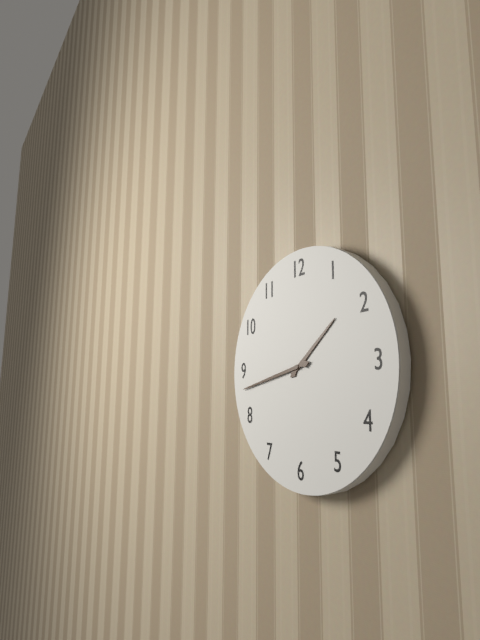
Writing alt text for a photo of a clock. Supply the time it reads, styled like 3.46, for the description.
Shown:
1.43
